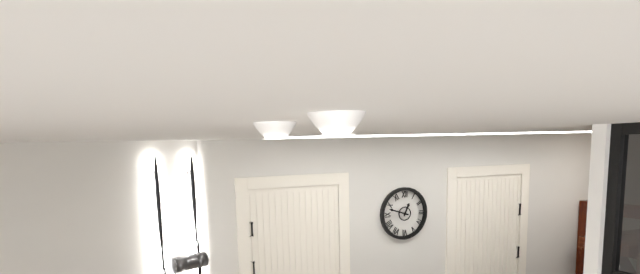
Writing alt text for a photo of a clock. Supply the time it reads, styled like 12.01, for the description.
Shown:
12.48
